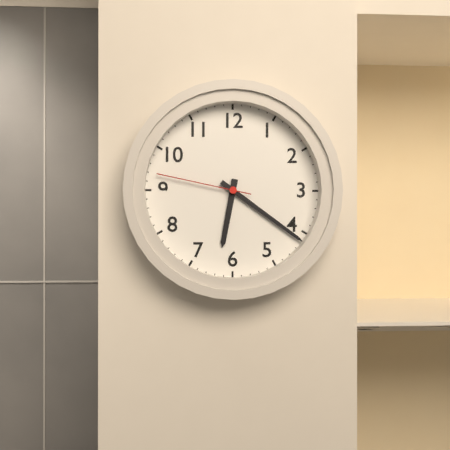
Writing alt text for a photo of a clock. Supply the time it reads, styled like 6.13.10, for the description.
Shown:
6.21.47
